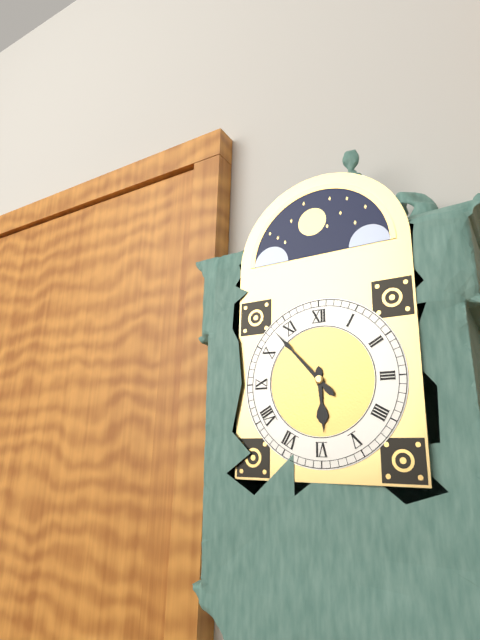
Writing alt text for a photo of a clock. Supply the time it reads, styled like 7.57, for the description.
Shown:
5.53
